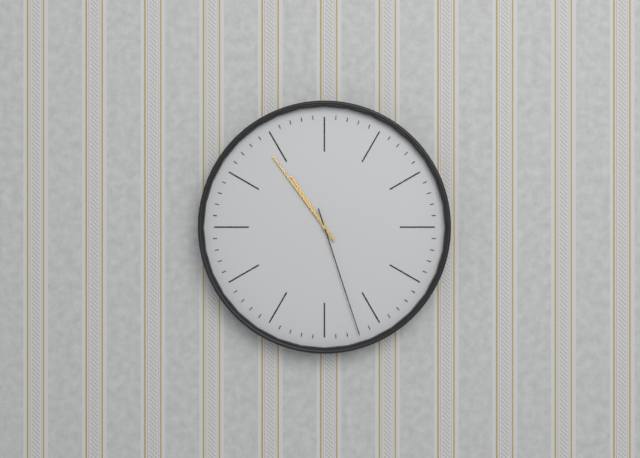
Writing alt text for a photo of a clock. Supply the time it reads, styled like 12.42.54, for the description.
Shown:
10.54.27
